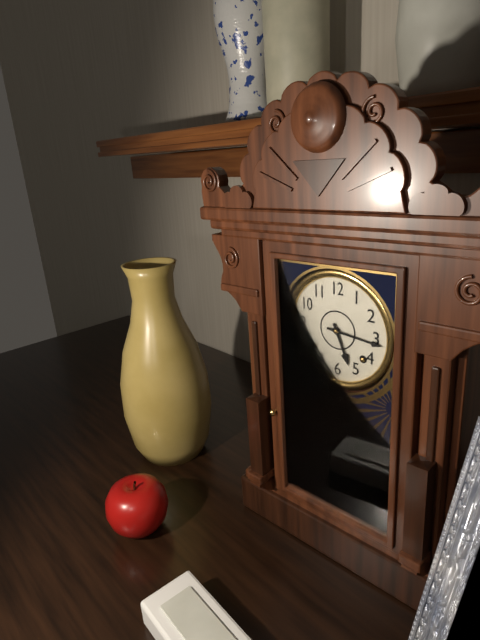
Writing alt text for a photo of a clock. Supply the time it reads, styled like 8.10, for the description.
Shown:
5.16
